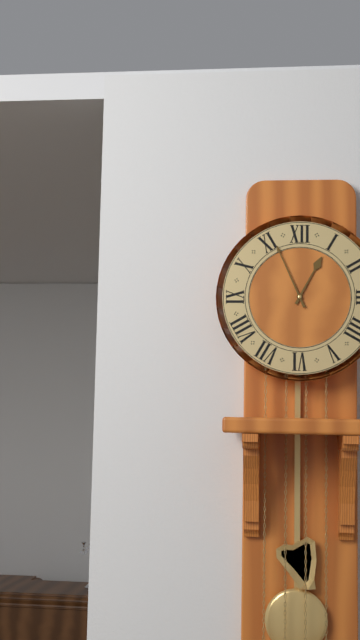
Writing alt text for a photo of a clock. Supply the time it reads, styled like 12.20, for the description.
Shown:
12.56
